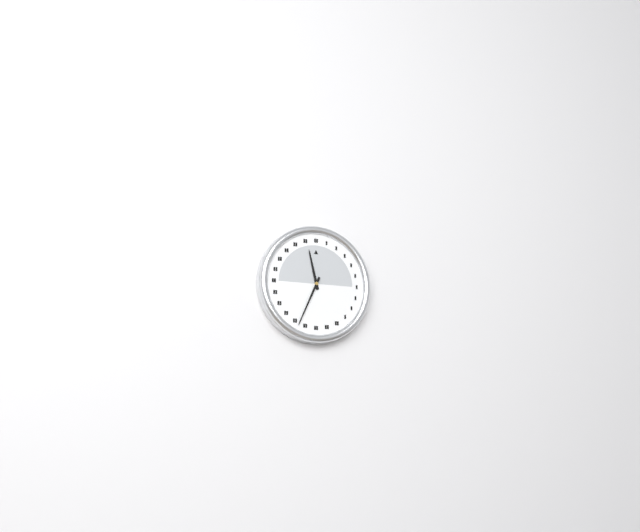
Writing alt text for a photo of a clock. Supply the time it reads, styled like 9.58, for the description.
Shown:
11.34
